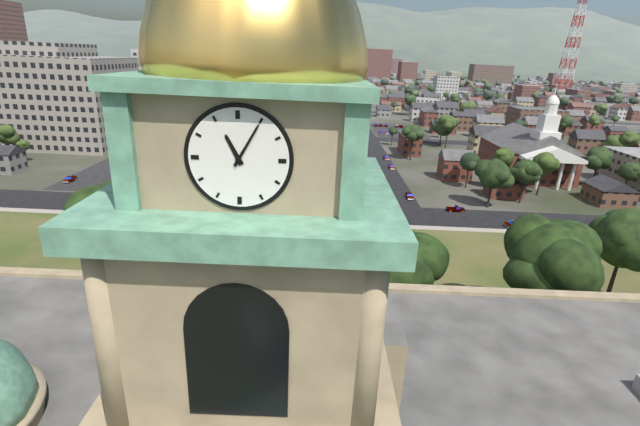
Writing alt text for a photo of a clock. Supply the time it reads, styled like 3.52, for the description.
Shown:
11.05
